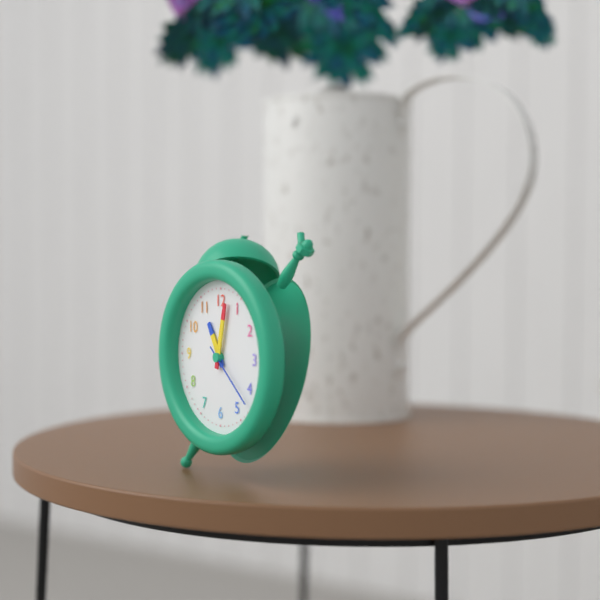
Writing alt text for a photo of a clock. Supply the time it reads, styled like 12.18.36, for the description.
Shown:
11.02.22
